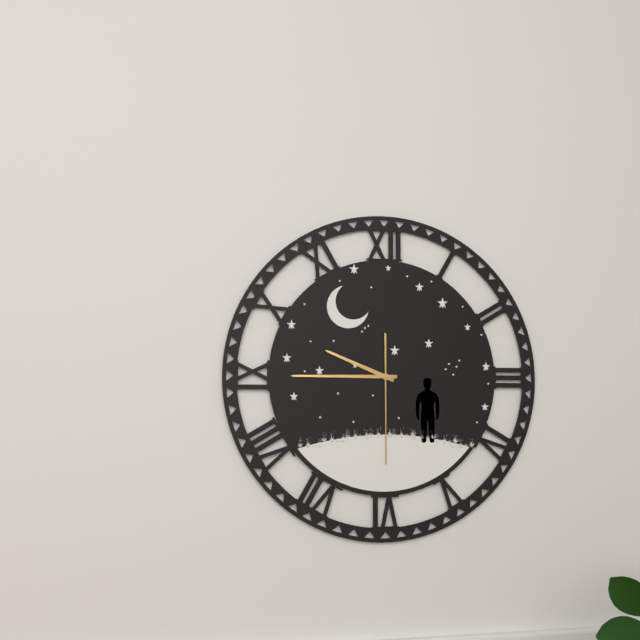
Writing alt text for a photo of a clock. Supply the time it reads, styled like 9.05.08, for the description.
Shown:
9.45.30
